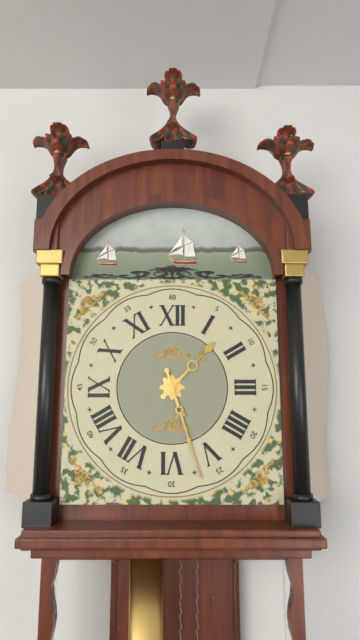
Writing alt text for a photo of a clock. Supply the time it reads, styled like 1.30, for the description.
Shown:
1.27
